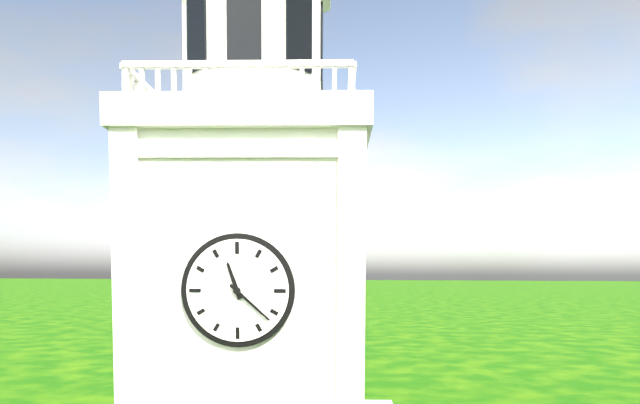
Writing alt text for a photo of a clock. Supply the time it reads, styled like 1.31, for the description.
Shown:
11.22
